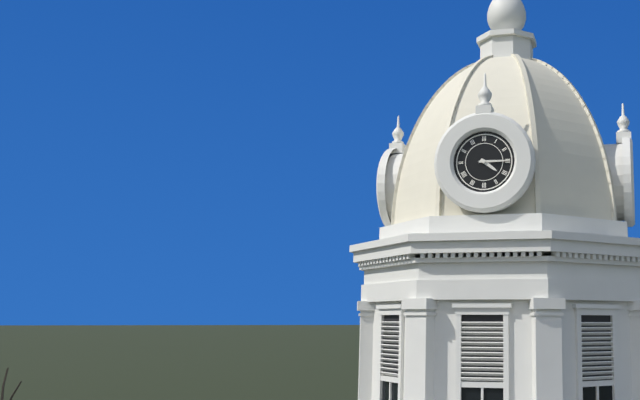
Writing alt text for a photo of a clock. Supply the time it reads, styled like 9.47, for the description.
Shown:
4.15
